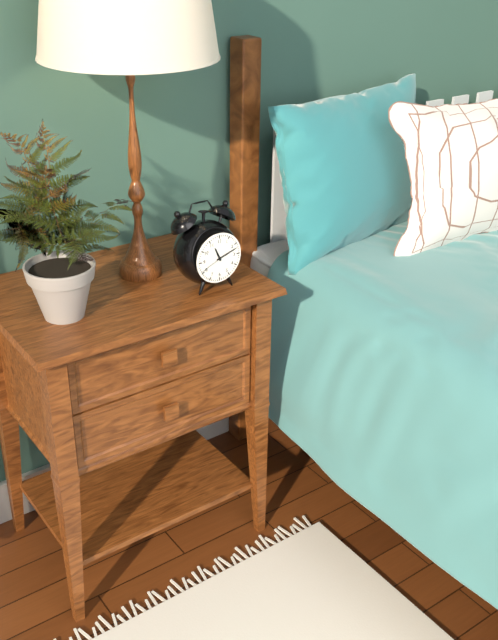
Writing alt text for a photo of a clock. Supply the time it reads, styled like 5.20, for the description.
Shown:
11.12
